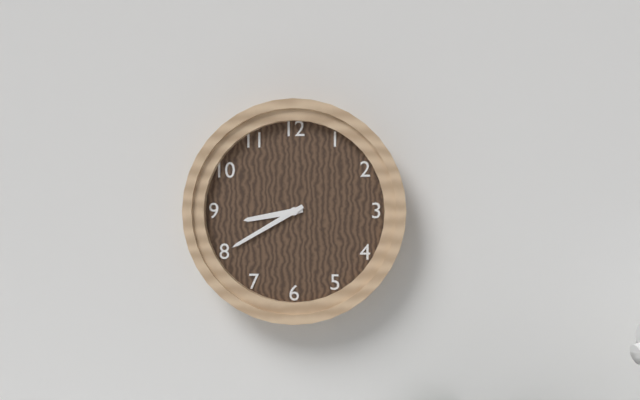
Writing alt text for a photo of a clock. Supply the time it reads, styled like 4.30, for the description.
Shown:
8.40
